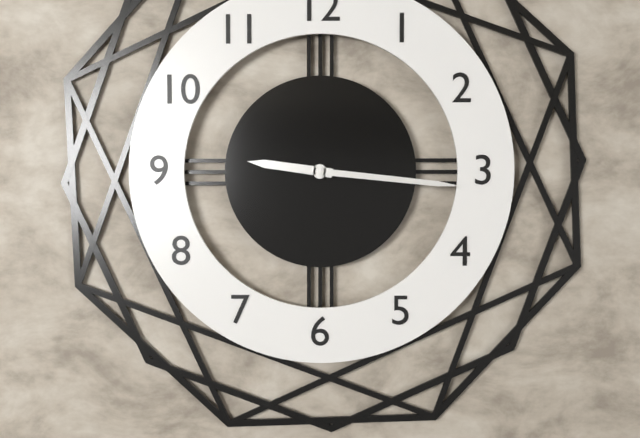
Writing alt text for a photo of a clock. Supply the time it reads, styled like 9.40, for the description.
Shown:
9.16
